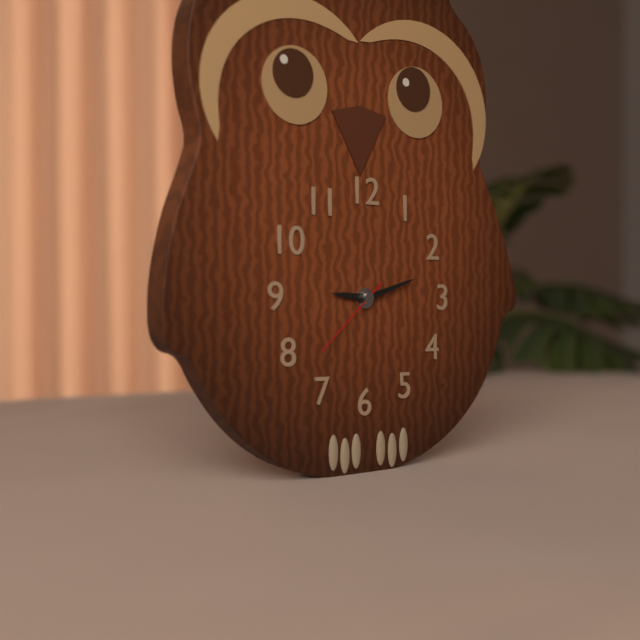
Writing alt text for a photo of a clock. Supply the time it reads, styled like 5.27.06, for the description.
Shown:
9.12.38
